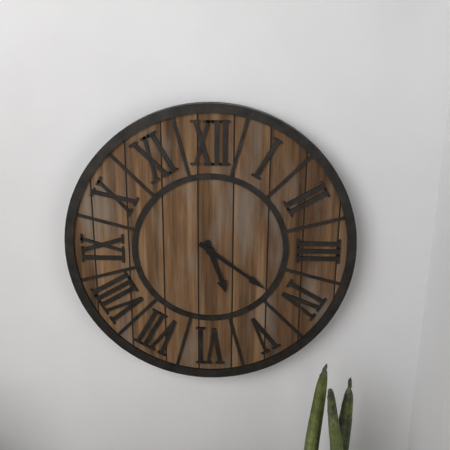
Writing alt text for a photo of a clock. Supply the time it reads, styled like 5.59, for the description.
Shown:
5.21
